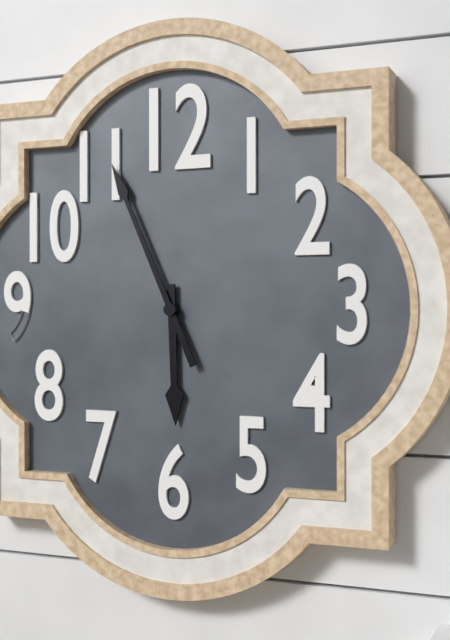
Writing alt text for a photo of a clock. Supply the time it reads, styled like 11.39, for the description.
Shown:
5.56
